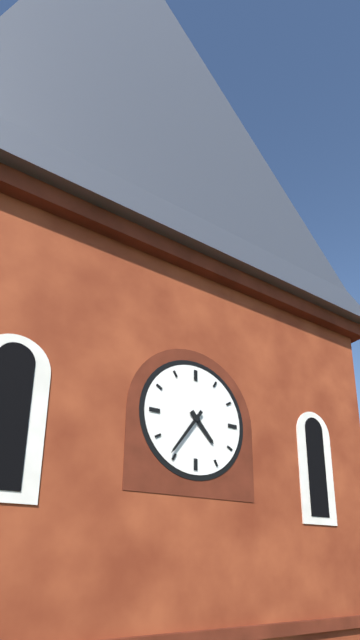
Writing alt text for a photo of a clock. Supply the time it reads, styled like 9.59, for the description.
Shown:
4.36
